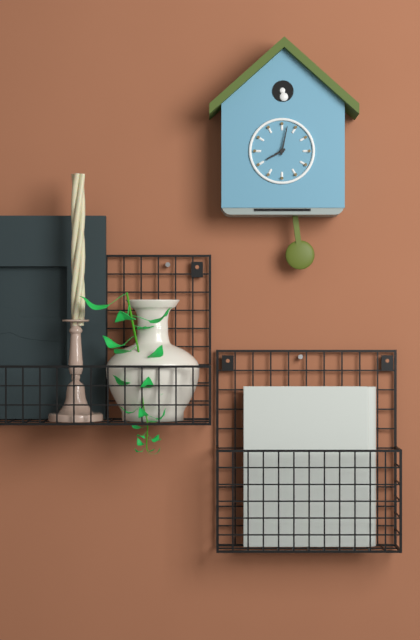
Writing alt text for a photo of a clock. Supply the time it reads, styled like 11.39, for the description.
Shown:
8.02
